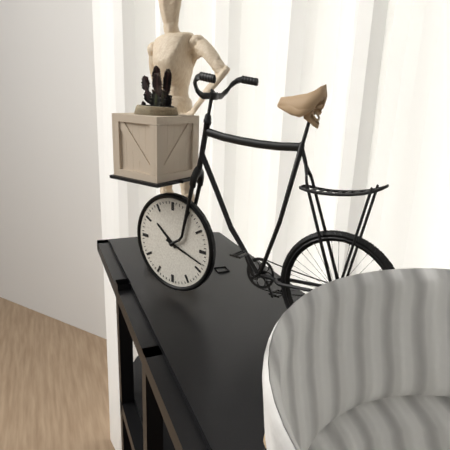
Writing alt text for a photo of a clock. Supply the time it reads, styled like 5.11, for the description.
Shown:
10.18
